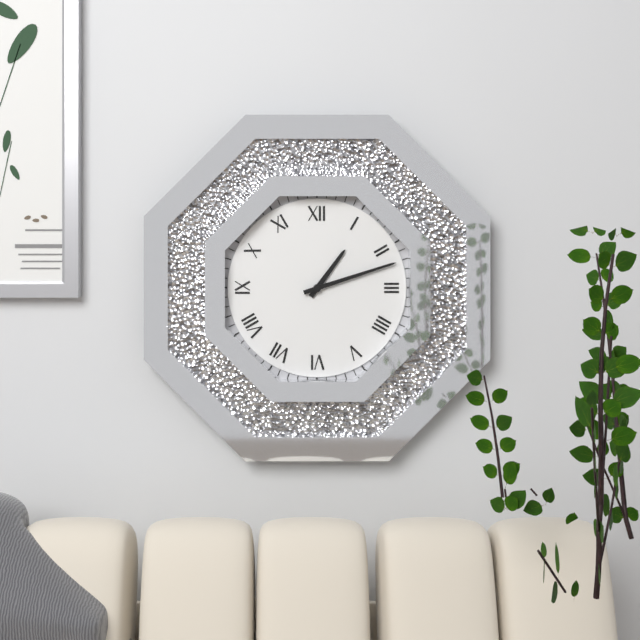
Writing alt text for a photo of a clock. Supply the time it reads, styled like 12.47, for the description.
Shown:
1.12
